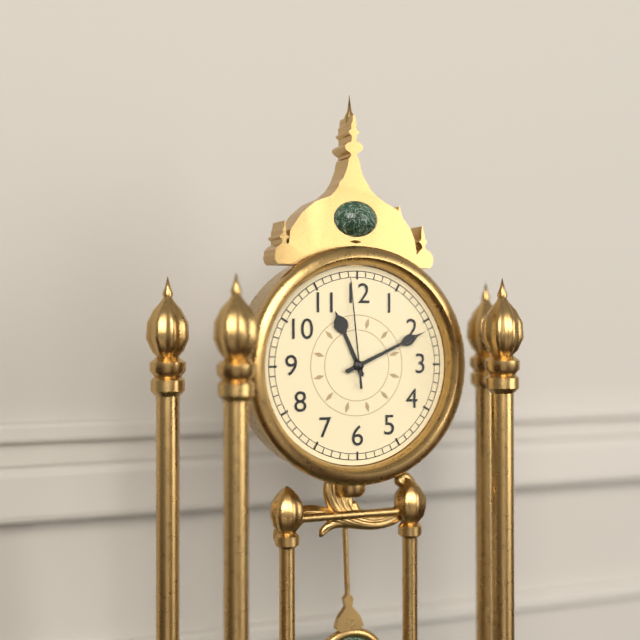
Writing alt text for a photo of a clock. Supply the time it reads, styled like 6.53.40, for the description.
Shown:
11.11.59
